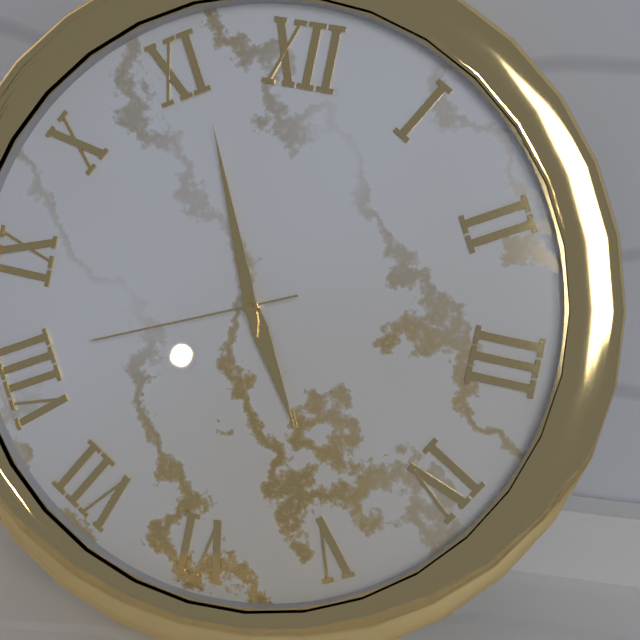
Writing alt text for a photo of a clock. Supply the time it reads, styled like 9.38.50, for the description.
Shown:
4.56.41
